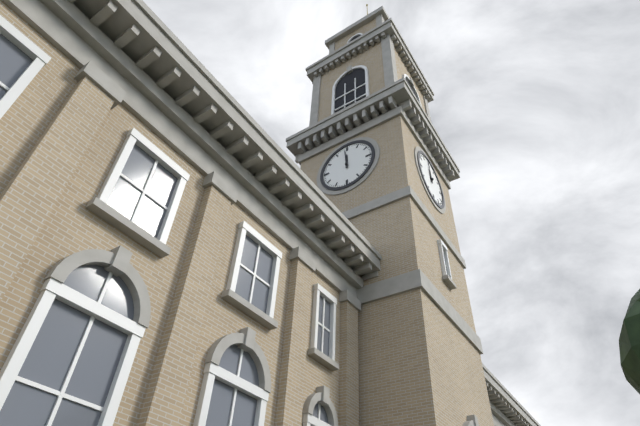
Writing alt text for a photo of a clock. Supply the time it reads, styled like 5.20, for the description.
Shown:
11.59
